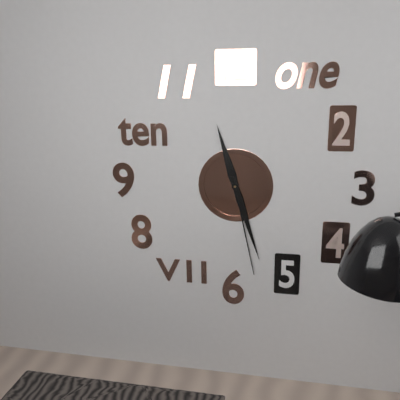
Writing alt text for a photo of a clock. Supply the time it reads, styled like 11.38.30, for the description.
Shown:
11.27.28
